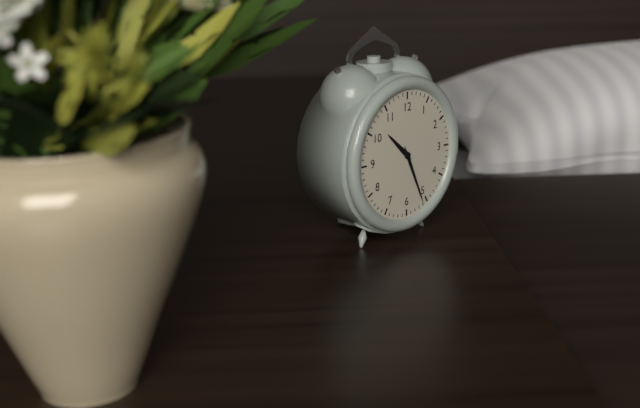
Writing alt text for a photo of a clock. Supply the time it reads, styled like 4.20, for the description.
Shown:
10.26
